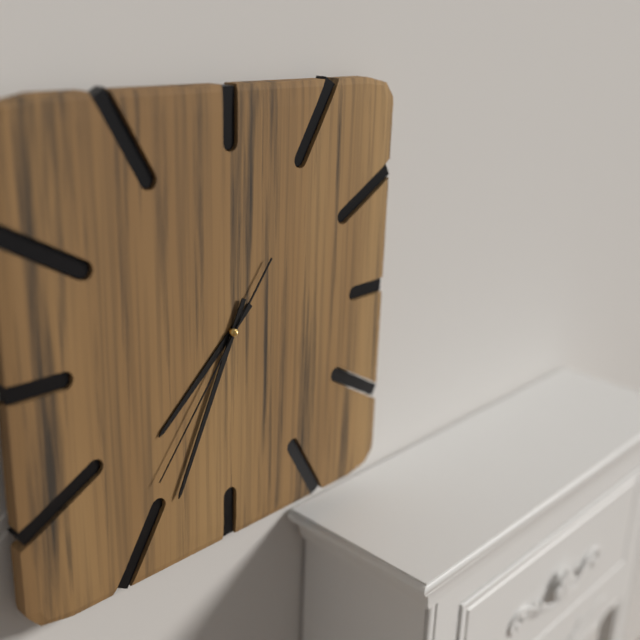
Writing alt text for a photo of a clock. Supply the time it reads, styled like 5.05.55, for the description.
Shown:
7.34.36
